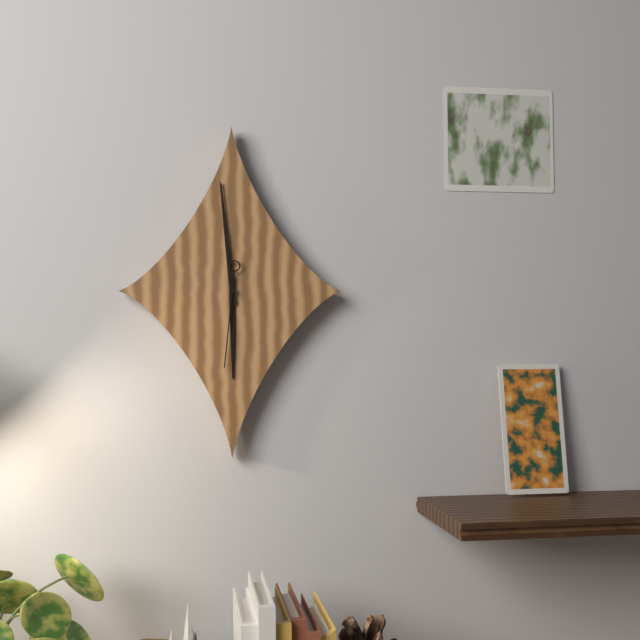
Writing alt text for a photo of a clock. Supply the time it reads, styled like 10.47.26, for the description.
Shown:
5.59.31
